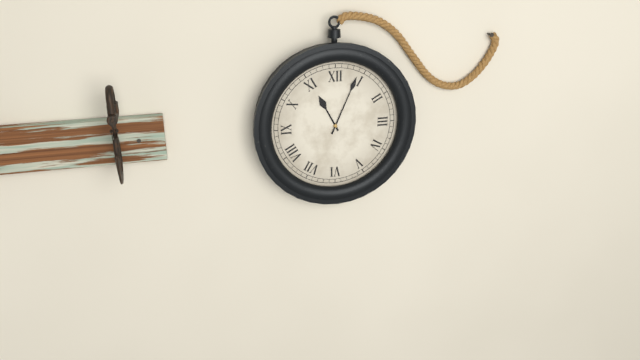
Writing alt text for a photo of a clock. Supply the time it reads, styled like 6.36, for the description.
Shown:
11.04
